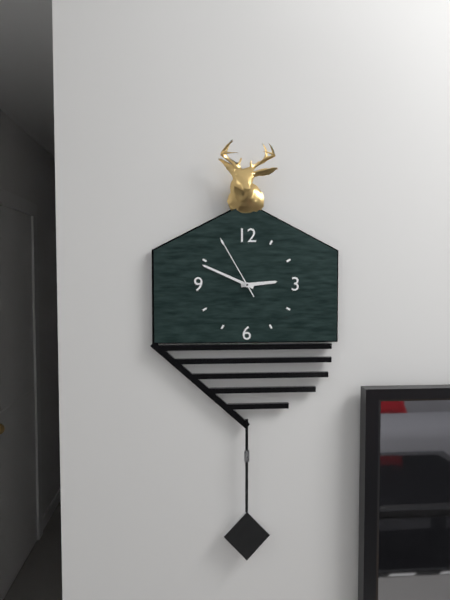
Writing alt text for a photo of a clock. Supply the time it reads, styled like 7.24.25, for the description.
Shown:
2.49.55
